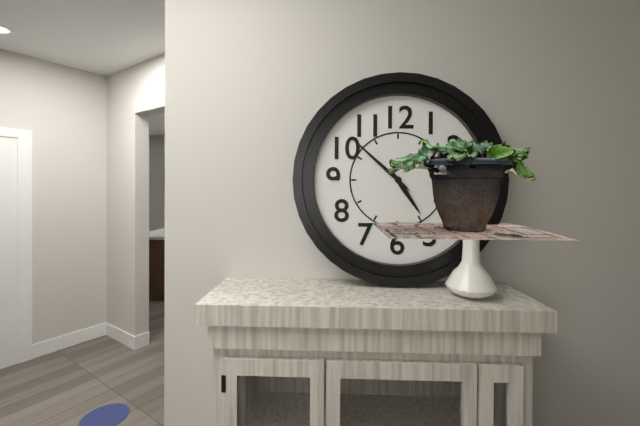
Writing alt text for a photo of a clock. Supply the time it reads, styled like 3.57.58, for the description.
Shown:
4.52.52
